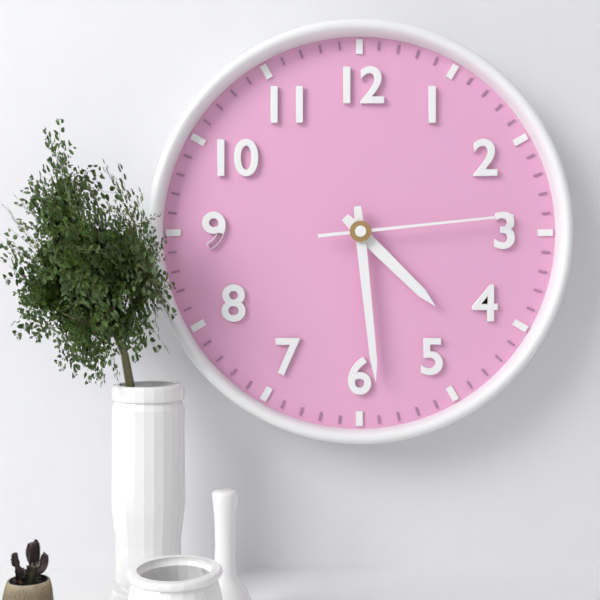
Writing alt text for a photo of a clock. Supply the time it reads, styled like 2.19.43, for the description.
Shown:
4.29.14
